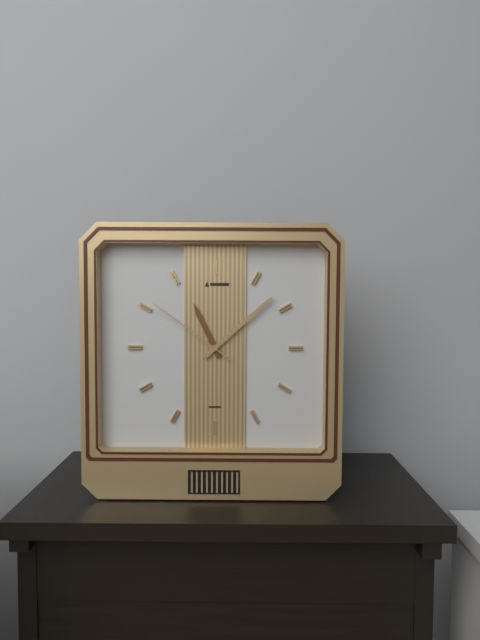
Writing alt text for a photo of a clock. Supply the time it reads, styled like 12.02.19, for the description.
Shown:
11.08.51
